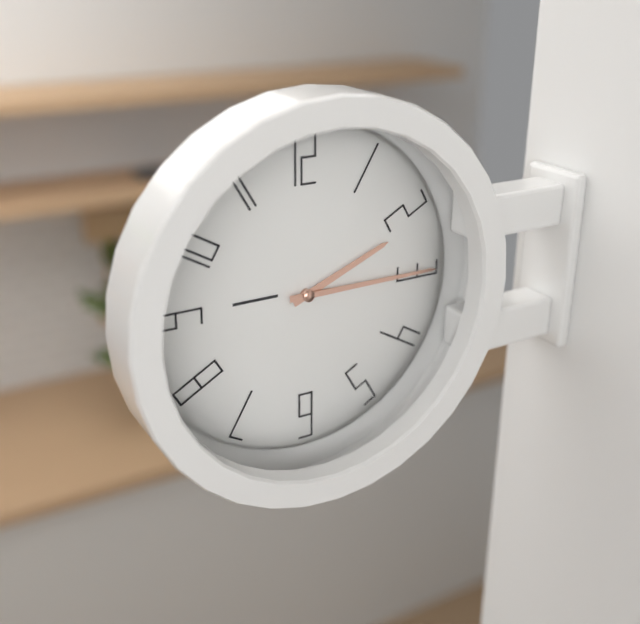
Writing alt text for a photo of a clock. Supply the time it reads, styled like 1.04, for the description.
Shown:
2.15
